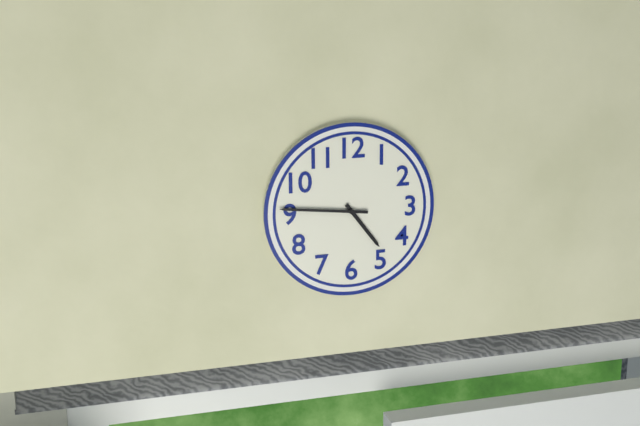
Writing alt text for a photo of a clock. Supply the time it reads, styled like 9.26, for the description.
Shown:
4.46
